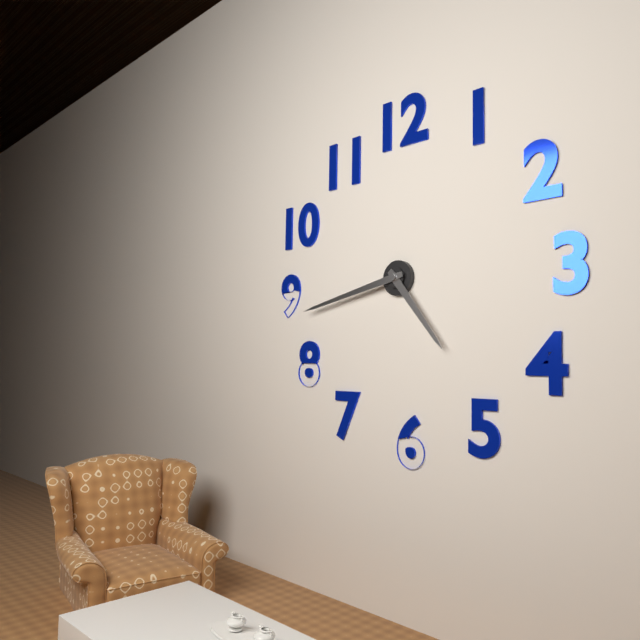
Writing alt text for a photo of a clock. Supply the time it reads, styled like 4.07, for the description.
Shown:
4.43
